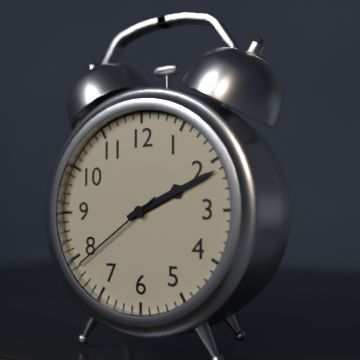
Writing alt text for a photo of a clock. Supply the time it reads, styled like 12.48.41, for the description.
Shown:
2.11.39
